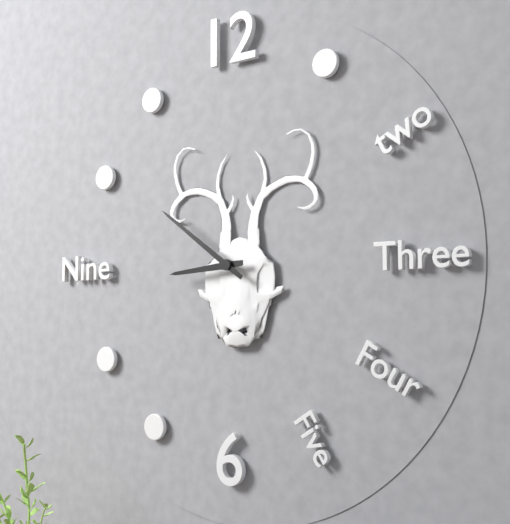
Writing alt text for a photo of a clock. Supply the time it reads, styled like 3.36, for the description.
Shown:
8.51
